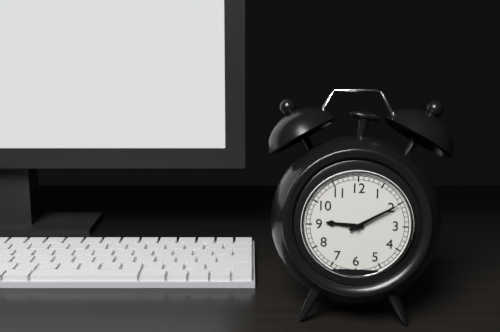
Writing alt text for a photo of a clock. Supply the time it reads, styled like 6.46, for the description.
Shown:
9.10
